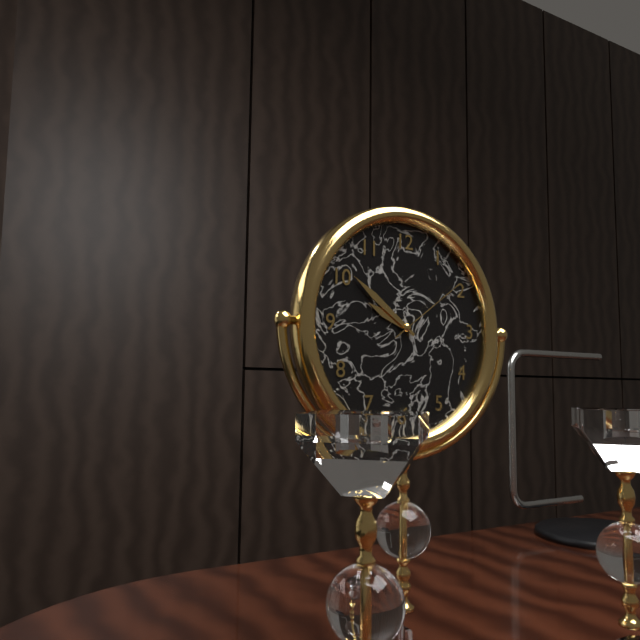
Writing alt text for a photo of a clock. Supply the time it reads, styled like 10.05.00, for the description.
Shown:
9.51.09
